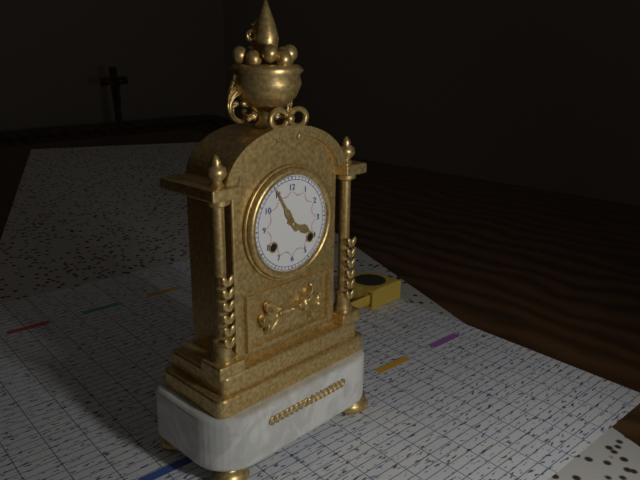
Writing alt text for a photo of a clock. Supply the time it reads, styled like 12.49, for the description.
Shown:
3.55
